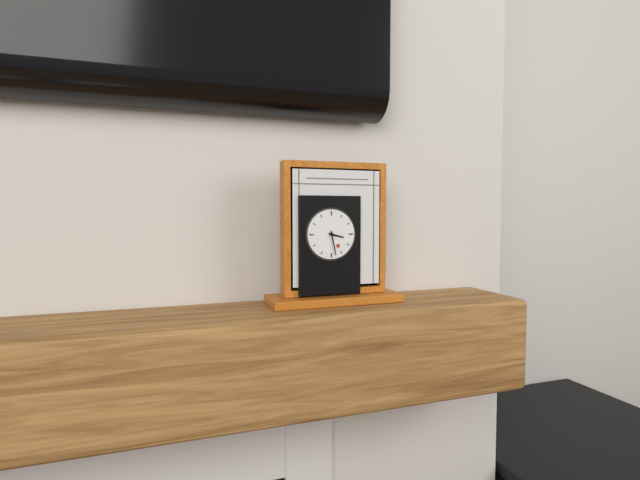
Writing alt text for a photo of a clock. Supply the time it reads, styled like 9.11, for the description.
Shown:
3.28
